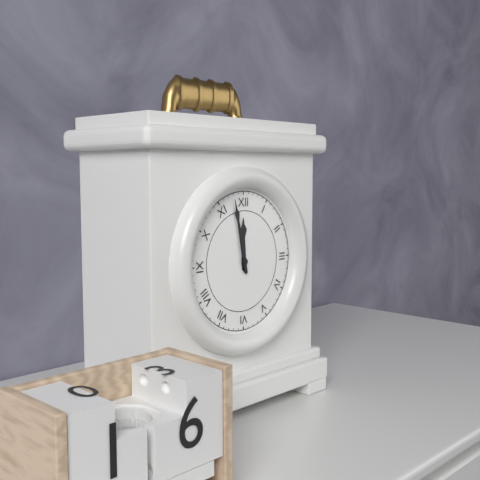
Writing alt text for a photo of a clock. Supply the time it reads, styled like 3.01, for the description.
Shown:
11.58
